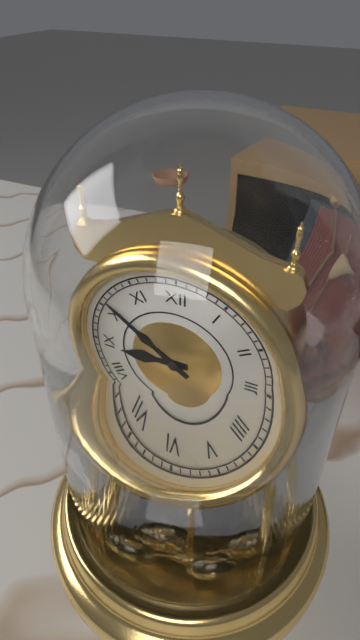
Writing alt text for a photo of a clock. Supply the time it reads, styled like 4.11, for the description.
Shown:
8.51
